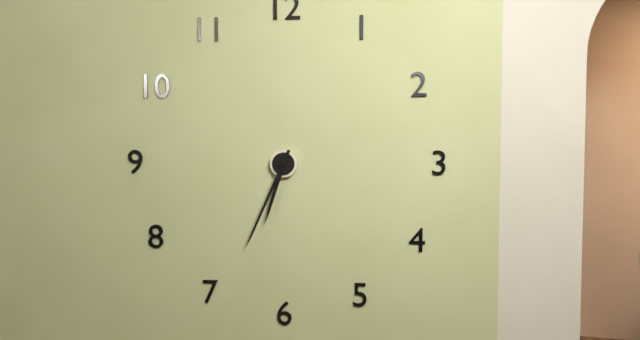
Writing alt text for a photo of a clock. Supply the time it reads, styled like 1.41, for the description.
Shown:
6.34
